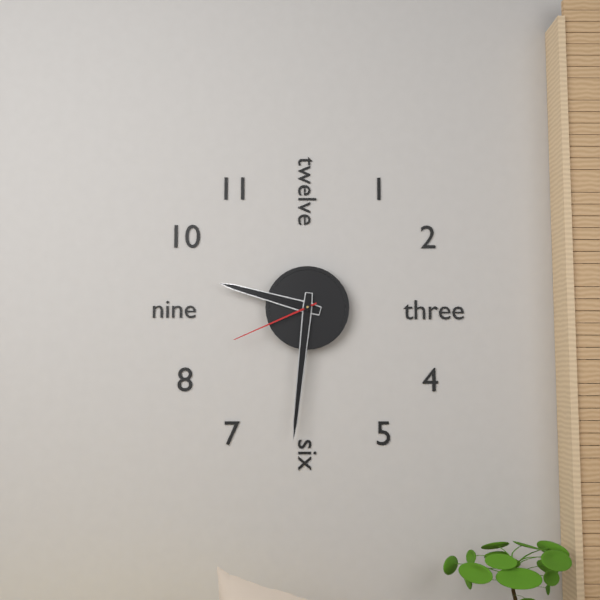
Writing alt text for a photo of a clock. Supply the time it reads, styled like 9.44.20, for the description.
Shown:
9.31.41
